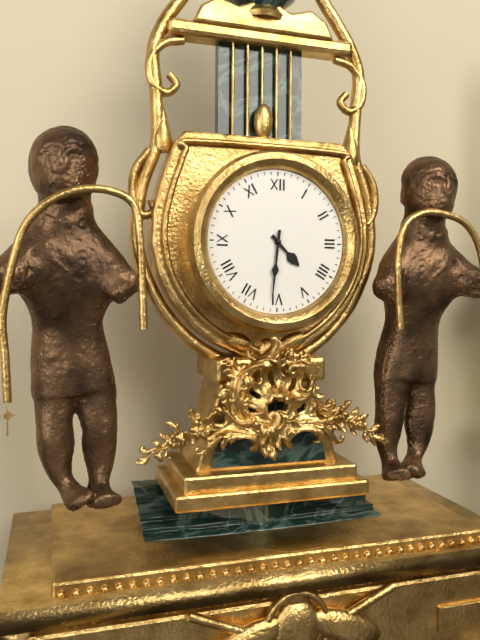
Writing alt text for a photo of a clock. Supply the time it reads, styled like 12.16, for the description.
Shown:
4.31
